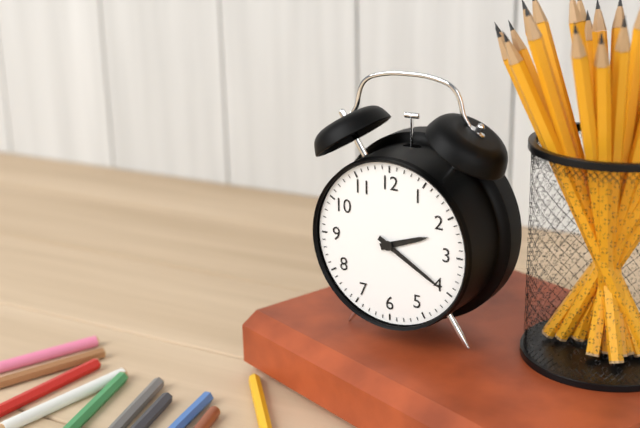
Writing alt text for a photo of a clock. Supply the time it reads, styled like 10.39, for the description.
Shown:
2.20
